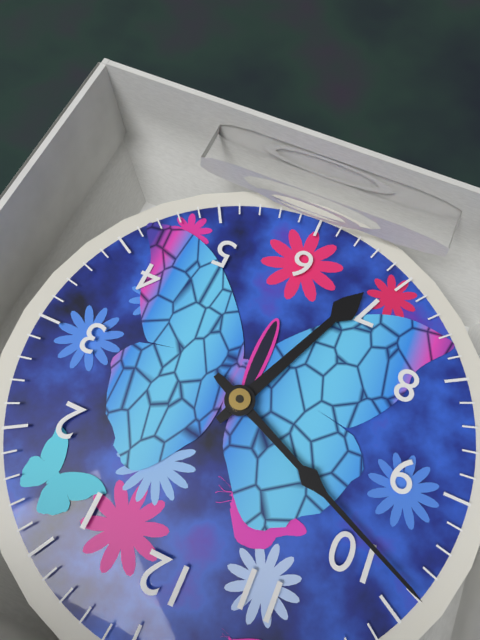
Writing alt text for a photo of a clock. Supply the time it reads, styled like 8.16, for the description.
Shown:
6.49
